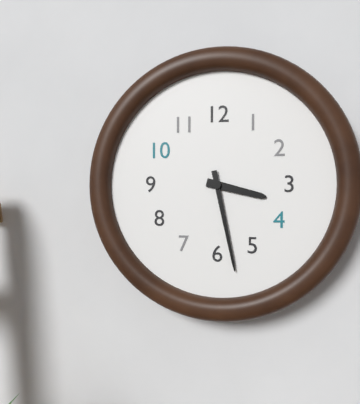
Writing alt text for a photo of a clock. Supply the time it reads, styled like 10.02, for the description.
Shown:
3.28
